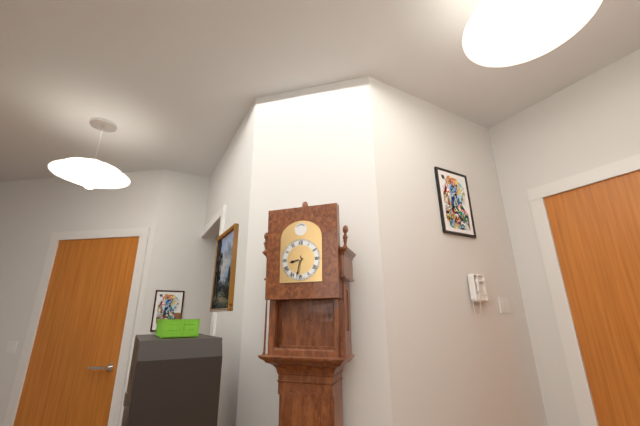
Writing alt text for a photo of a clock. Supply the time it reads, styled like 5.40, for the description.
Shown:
8.32
